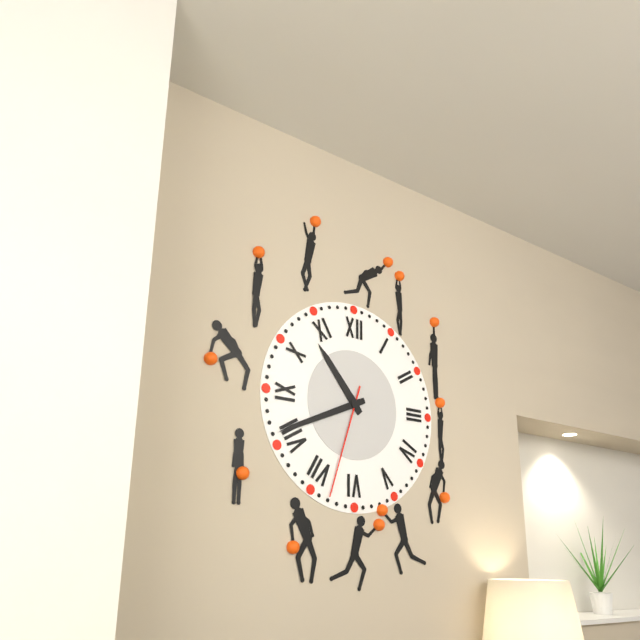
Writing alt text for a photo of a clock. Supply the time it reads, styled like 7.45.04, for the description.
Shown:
10.41.33
